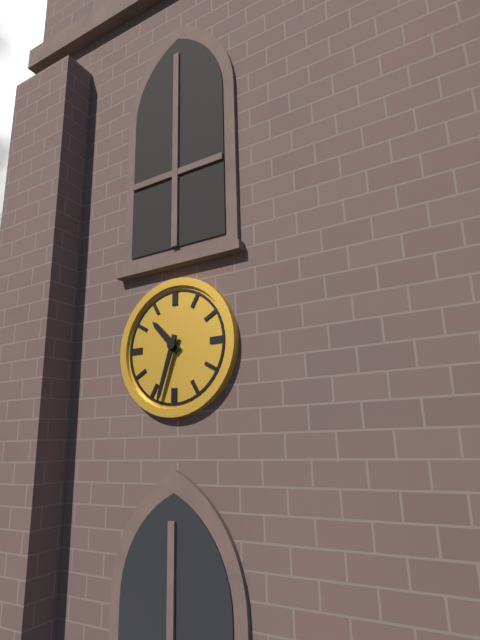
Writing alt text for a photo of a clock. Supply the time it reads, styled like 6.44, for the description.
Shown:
10.33
